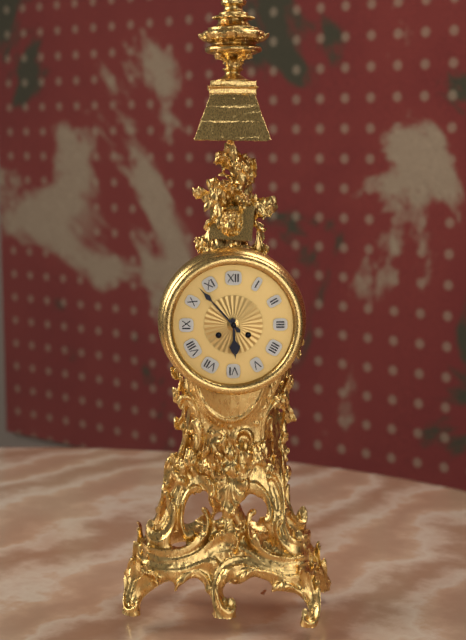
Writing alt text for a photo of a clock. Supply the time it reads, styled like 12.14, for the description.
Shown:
5.53
